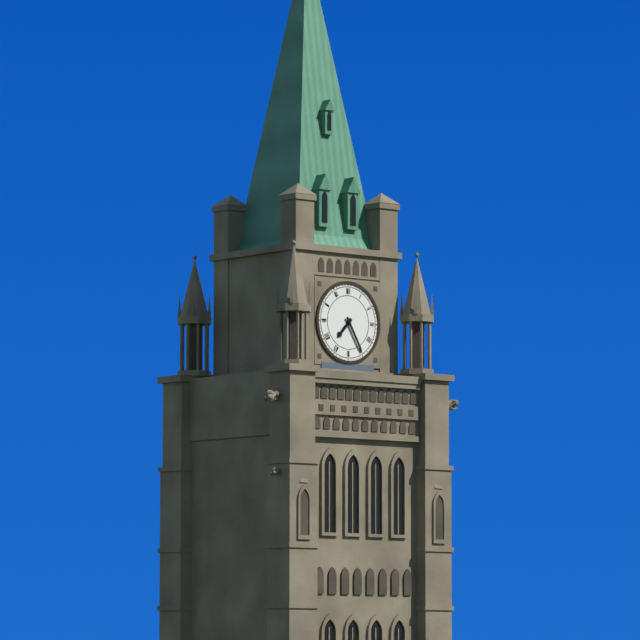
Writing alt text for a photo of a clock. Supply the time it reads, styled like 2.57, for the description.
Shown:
7.25
